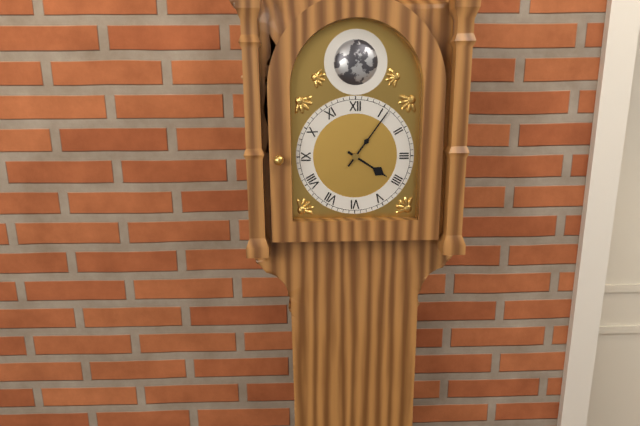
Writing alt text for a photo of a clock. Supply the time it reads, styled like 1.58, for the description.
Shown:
4.06
